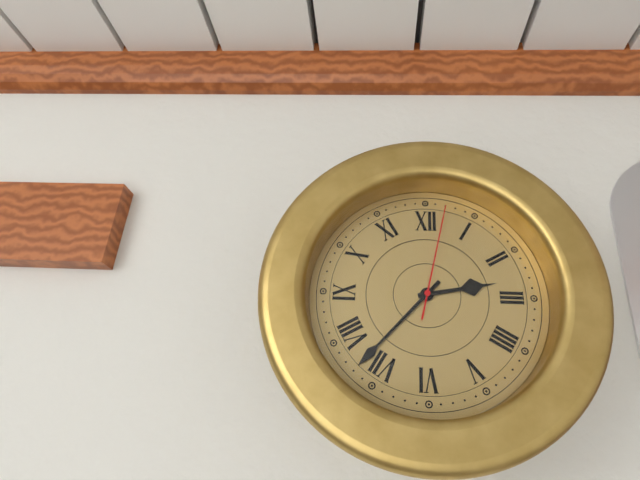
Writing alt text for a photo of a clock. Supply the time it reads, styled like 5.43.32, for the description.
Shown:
2.37.02
